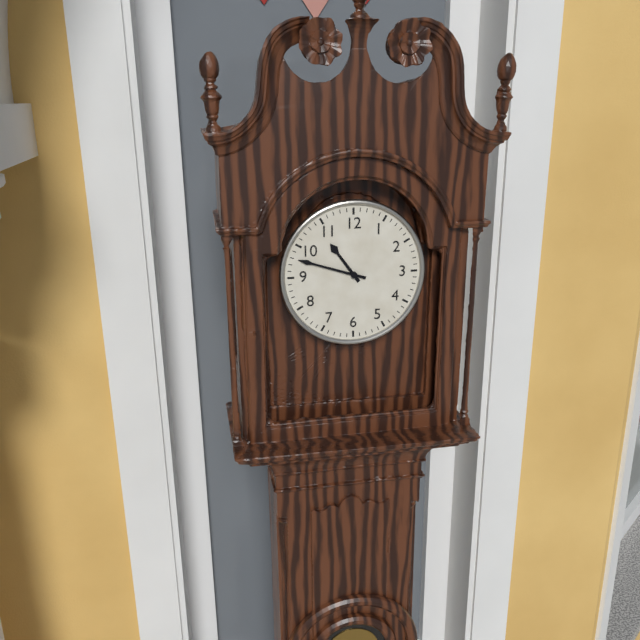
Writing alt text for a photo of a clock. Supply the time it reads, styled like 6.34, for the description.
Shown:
10.48
